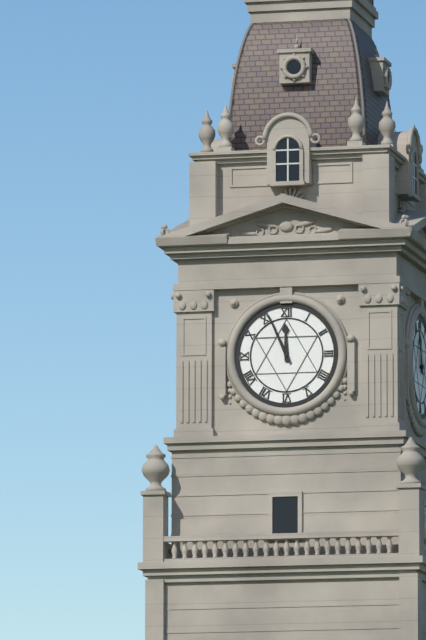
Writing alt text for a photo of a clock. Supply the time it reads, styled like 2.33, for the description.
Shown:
11.56
